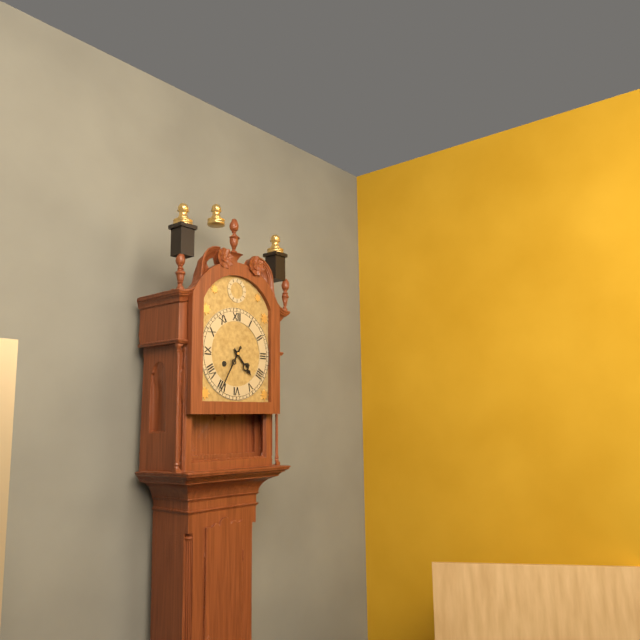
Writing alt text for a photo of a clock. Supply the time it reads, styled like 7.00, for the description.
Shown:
4.35
